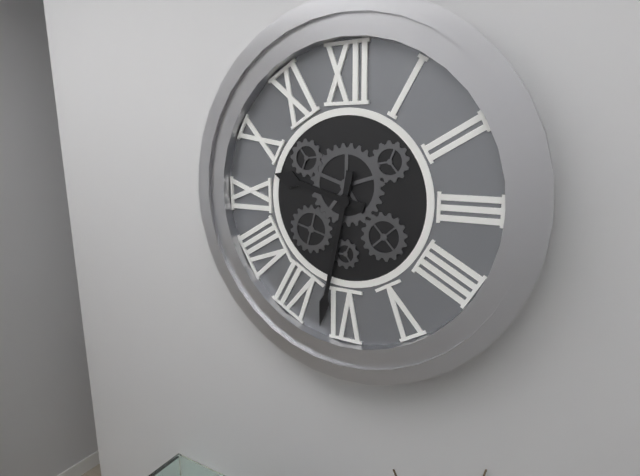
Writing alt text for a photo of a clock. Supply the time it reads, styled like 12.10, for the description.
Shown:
9.32
